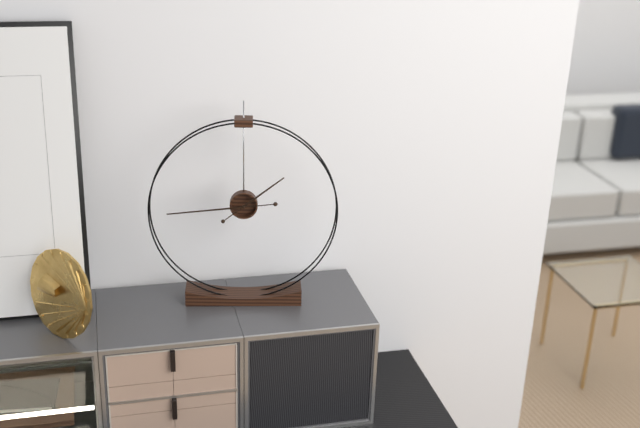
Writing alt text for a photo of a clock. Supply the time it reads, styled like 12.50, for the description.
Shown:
1.44
